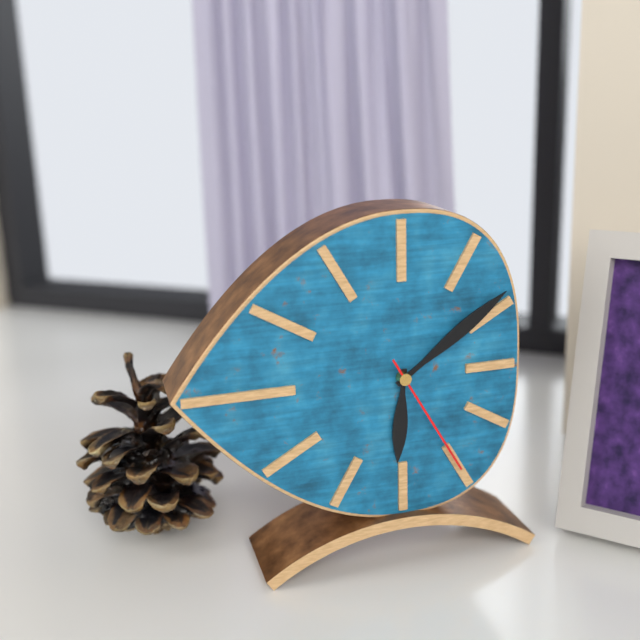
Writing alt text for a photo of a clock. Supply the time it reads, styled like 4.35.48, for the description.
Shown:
6.09.25
